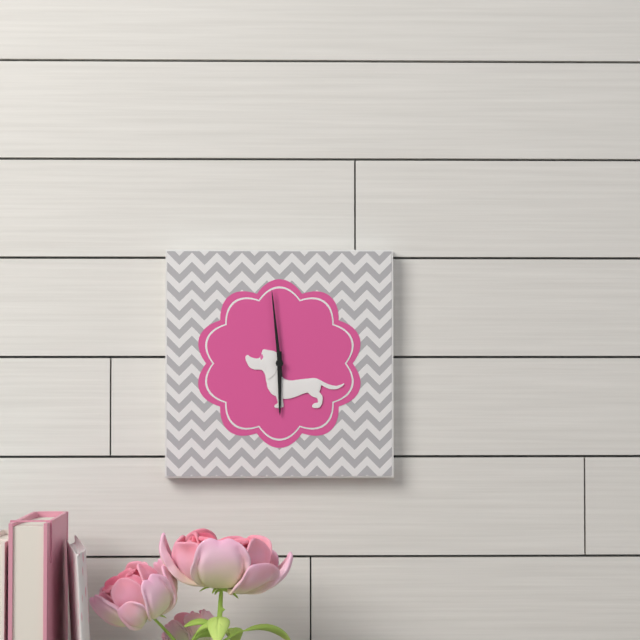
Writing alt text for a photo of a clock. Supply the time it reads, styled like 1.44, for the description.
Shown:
5.59
